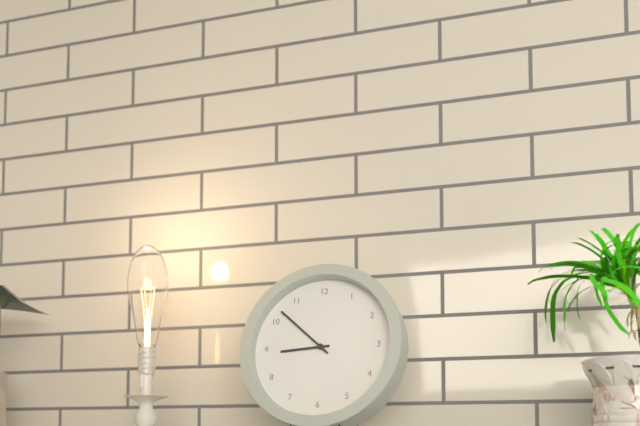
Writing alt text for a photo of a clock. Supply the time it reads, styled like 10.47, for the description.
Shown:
8.52
